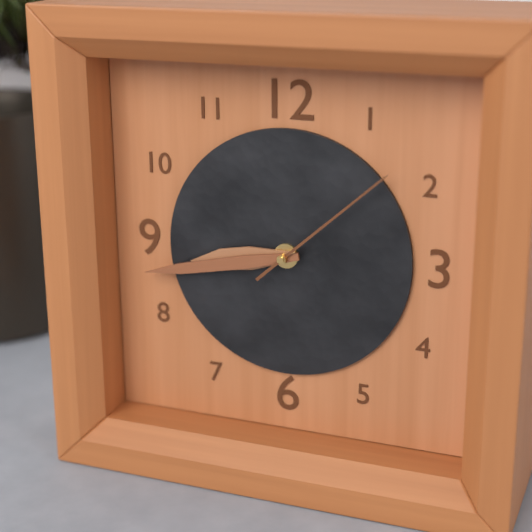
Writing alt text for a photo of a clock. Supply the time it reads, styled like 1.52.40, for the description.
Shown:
8.43.08
